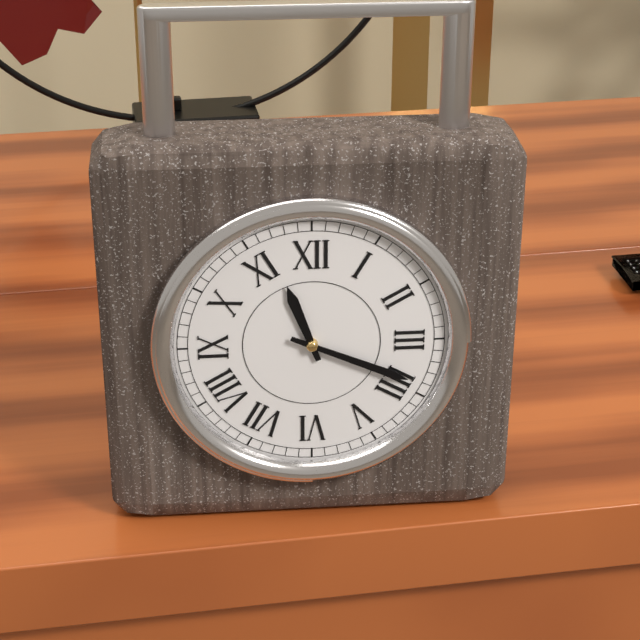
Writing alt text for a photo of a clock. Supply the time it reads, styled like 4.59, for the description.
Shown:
11.19
